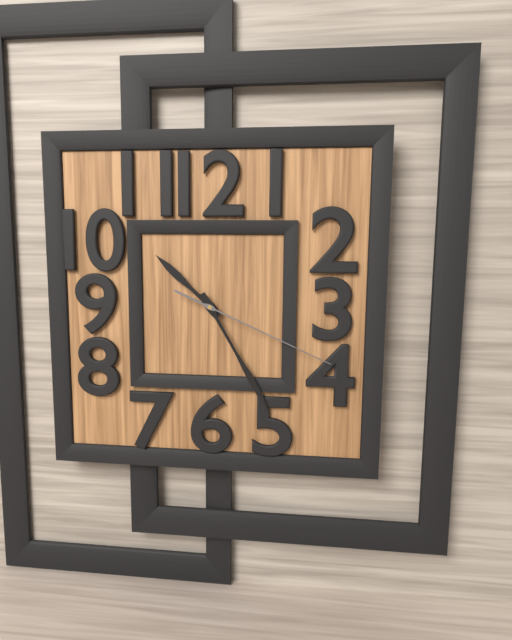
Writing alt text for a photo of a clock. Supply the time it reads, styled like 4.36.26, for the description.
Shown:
10.25.19
